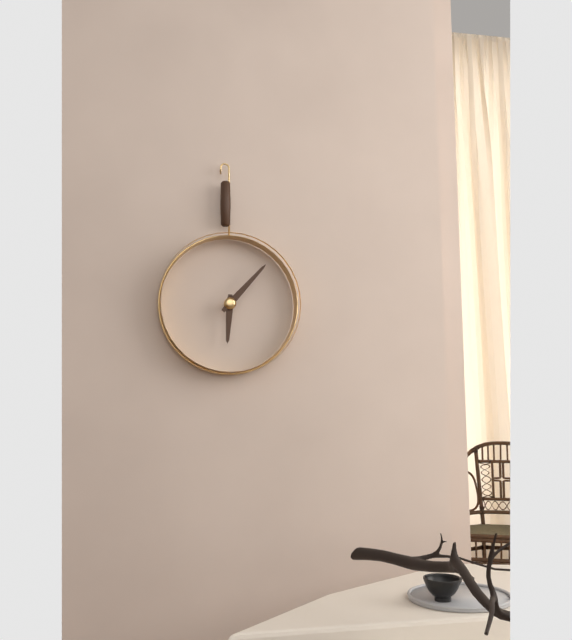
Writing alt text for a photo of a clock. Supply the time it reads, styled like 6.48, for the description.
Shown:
6.07
